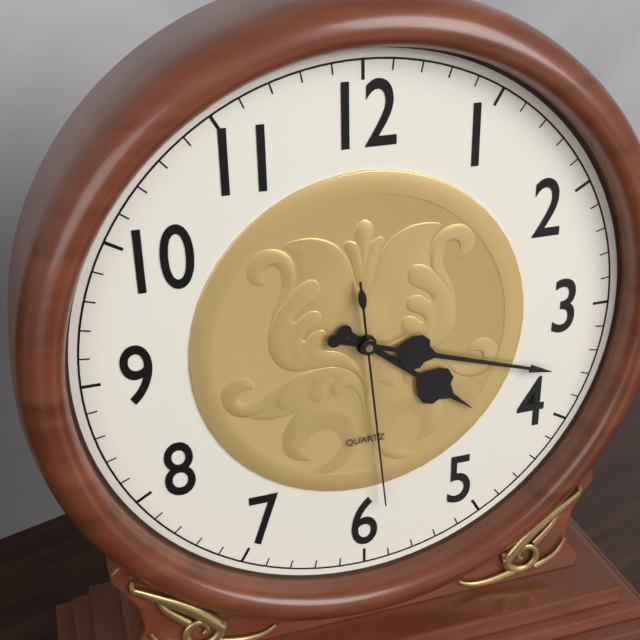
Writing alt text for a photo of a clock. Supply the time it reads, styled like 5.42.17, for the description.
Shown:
4.18.29
